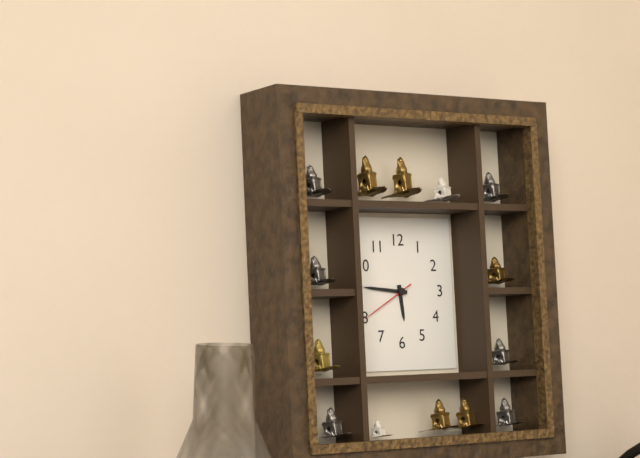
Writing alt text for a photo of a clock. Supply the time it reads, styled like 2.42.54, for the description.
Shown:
5.46.40
